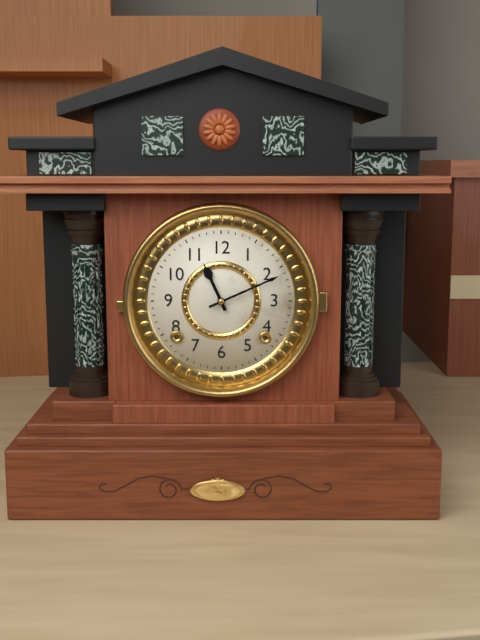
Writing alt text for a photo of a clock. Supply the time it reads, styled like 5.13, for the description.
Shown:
11.11
